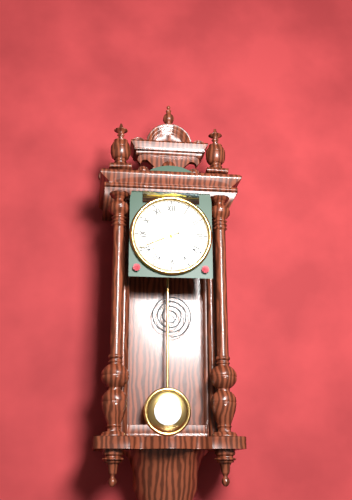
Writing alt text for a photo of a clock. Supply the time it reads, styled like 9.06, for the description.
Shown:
7.41
